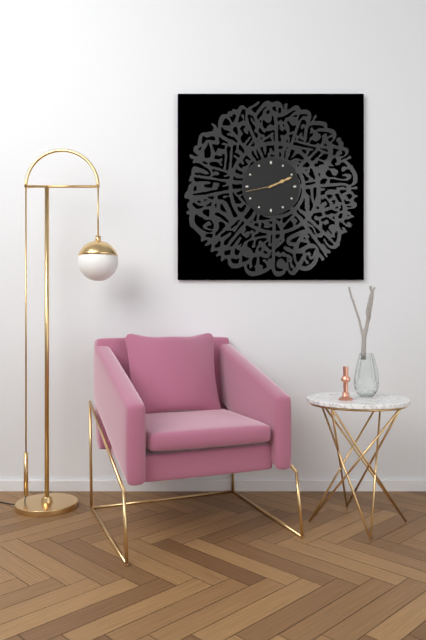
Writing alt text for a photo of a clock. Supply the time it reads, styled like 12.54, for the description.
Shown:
2.11
